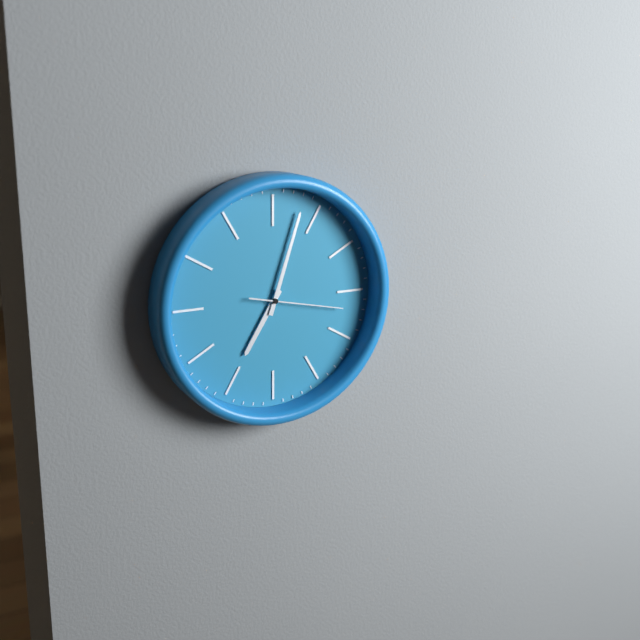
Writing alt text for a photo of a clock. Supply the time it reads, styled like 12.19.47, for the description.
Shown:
7.03.17
